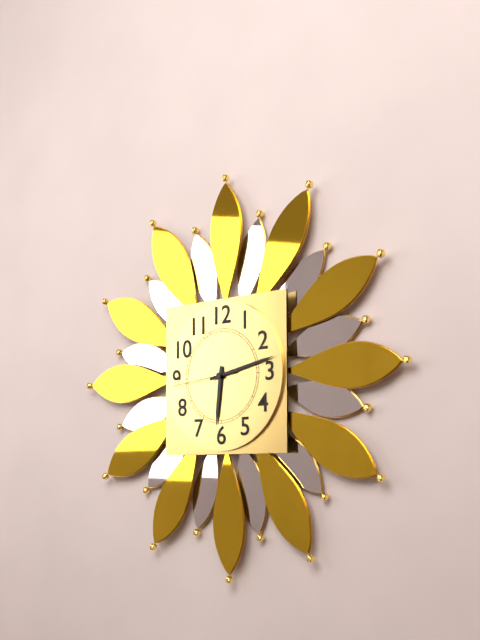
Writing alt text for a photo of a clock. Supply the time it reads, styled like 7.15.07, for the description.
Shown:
6.13.44
